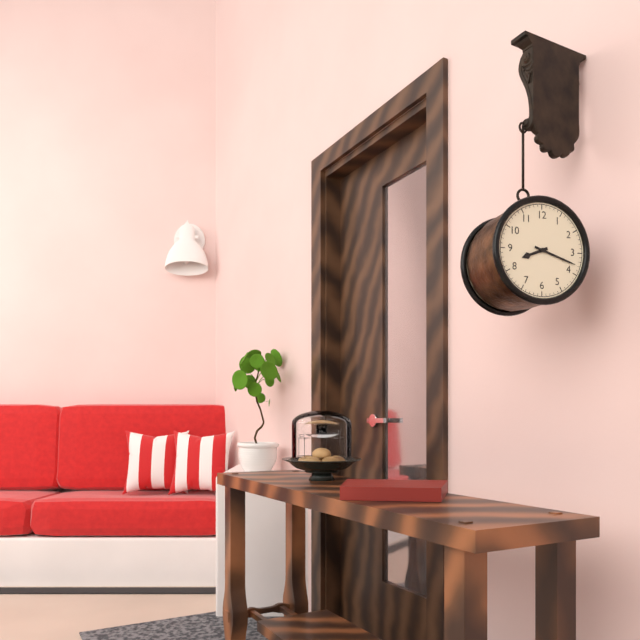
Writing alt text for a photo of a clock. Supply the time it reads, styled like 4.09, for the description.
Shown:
8.18
